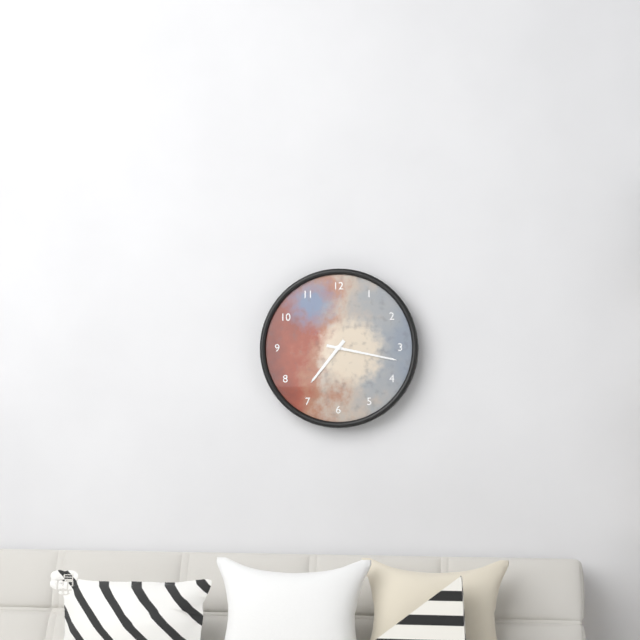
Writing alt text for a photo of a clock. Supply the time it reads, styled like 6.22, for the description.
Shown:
7.17
